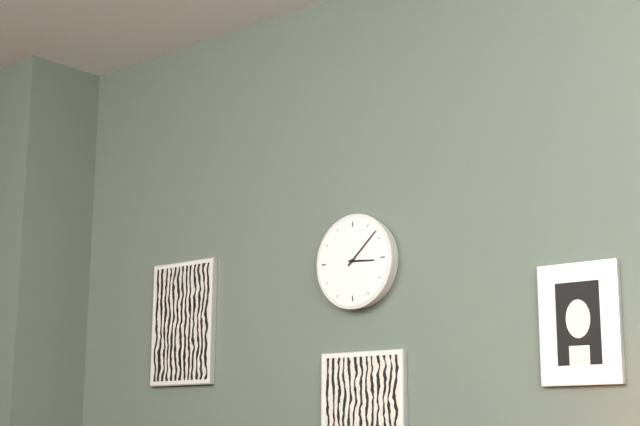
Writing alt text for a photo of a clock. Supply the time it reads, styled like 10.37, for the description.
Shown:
3.08
